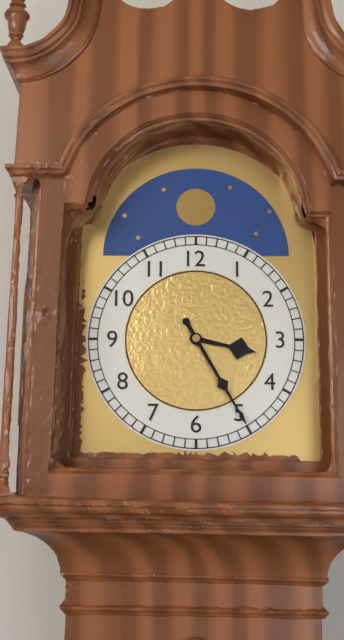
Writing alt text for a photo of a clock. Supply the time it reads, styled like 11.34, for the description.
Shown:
3.25
